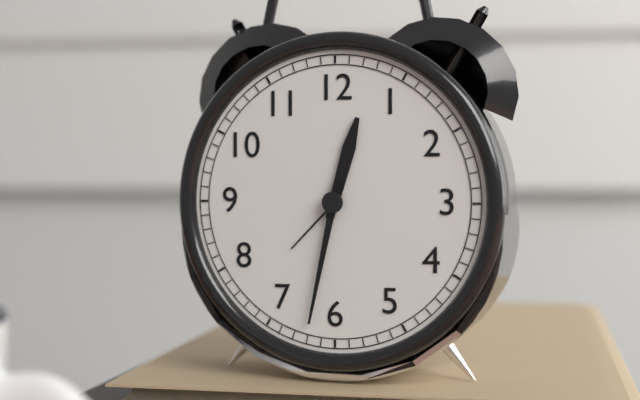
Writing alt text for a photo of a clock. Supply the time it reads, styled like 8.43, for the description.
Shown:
12.32
